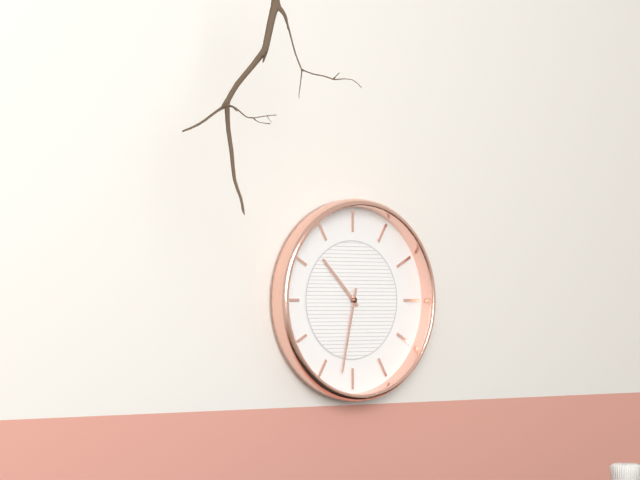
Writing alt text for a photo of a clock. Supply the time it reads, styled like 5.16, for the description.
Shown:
10.32
